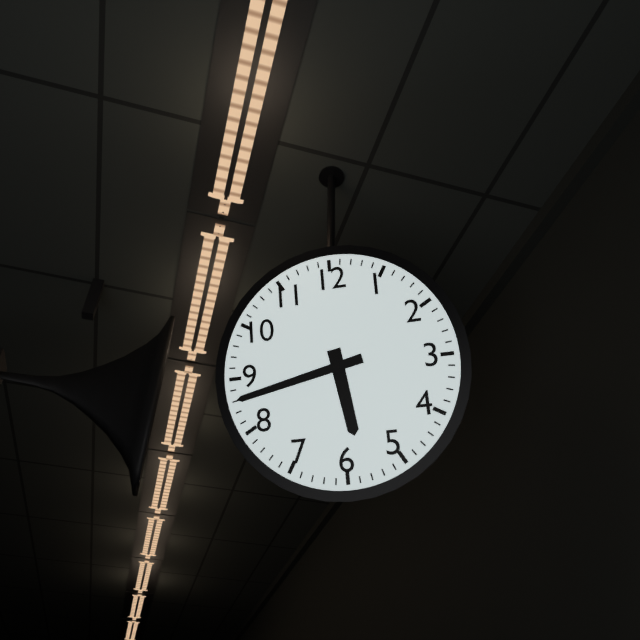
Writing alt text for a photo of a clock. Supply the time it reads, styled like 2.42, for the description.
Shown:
5.43
